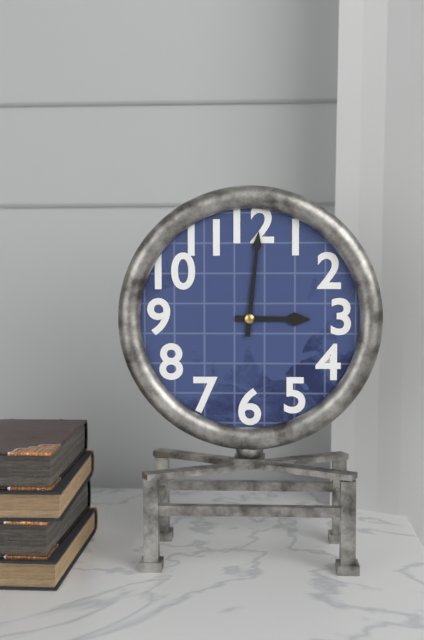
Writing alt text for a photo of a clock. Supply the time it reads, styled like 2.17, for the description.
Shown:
3.01
